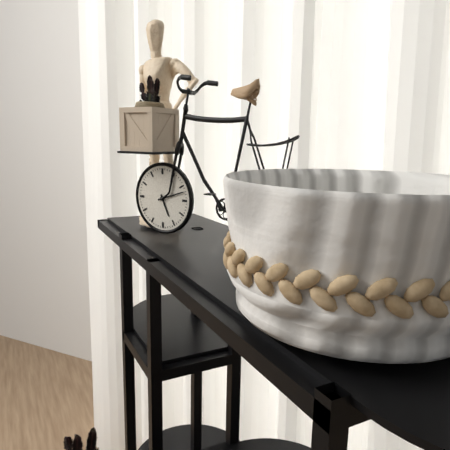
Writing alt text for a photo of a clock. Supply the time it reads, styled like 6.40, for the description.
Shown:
5.12
